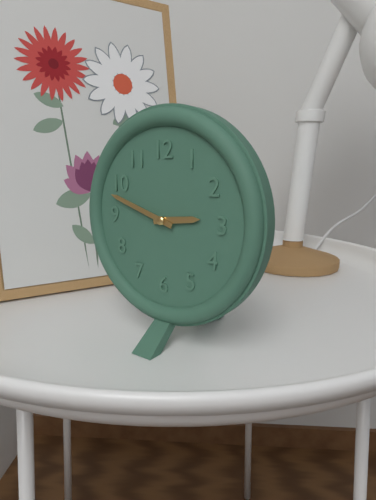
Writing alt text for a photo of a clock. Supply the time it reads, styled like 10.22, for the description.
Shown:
2.48
